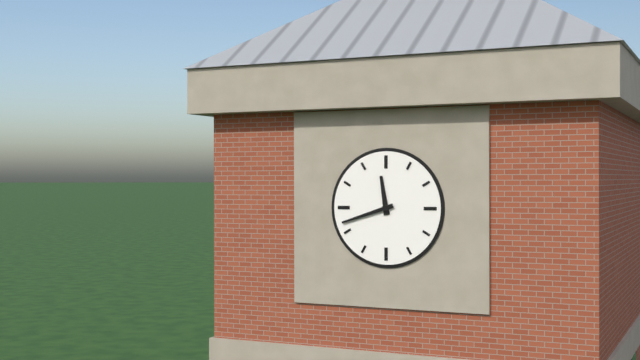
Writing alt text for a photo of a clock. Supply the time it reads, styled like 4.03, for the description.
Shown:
11.42
